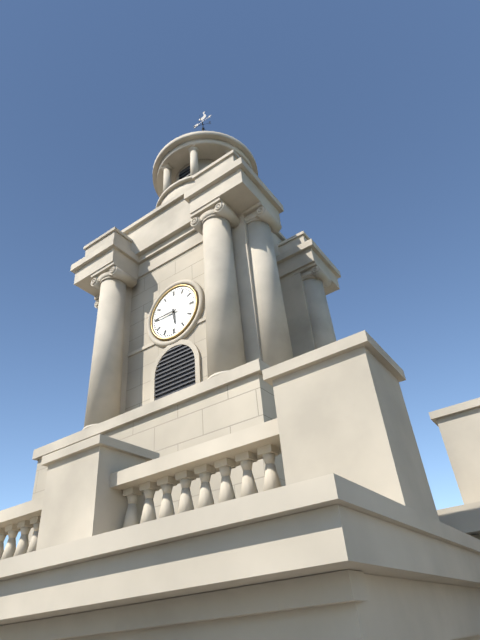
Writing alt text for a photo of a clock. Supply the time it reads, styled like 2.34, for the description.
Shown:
5.45
